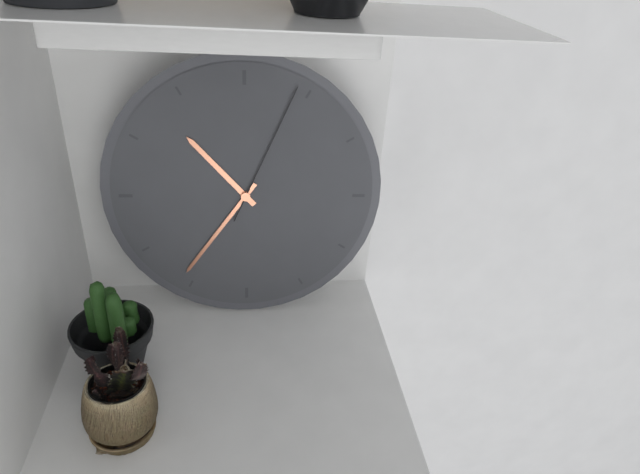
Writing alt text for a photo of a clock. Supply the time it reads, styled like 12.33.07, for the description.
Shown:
10.36.04
